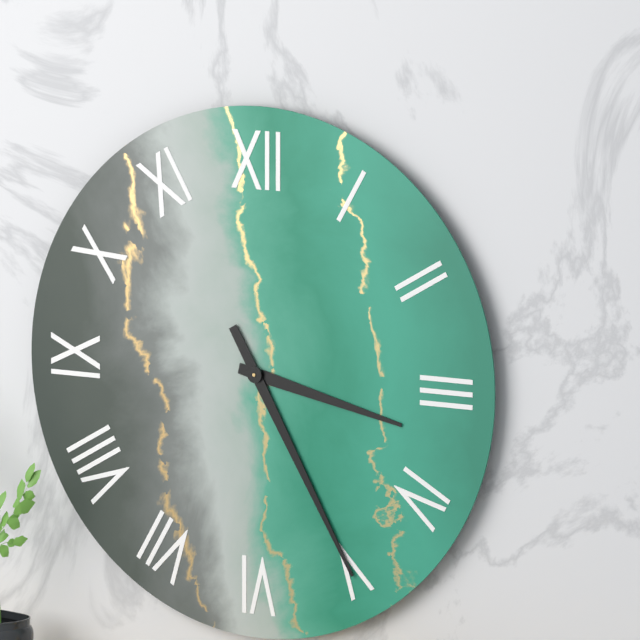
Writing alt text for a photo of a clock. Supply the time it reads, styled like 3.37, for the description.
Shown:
3.25
